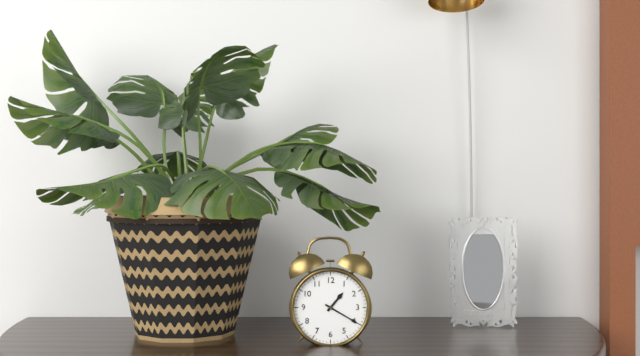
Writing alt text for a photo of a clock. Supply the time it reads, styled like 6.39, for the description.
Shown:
1.20
